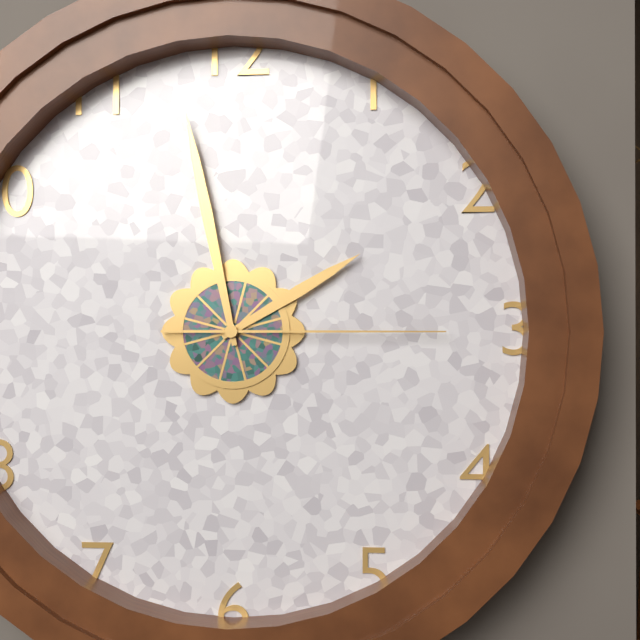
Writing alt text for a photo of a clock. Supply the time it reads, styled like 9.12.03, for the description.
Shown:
1.58.15
